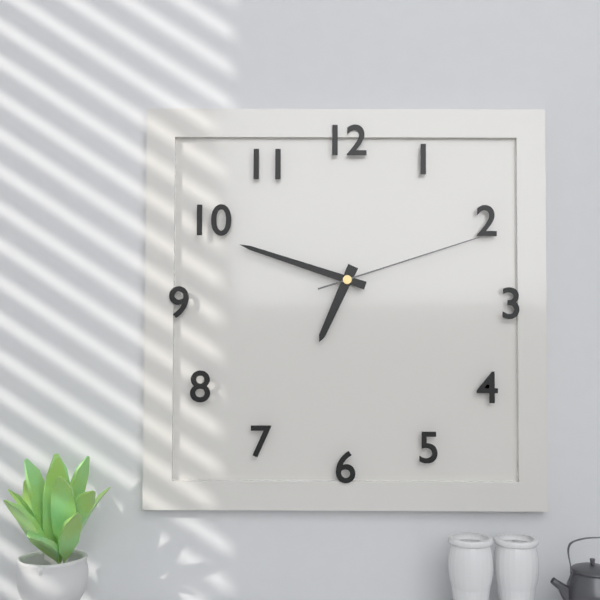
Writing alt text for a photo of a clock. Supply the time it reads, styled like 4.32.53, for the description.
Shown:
6.48.12
